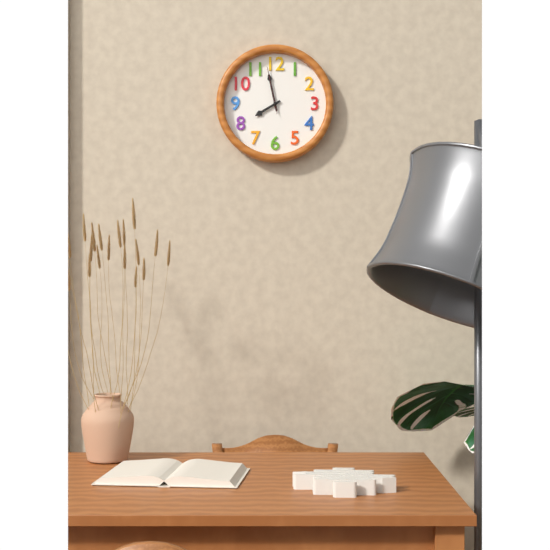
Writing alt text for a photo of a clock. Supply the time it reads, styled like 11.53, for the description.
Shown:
7.58
